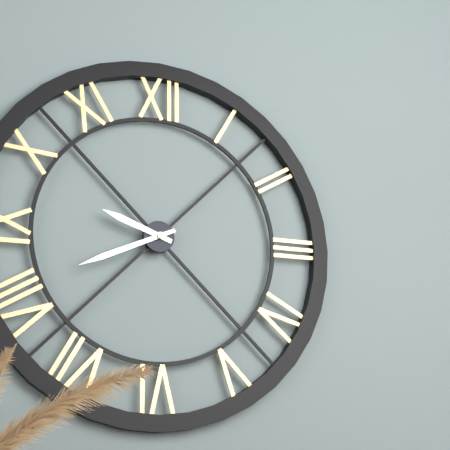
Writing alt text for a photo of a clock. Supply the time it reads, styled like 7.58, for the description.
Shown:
9.41
